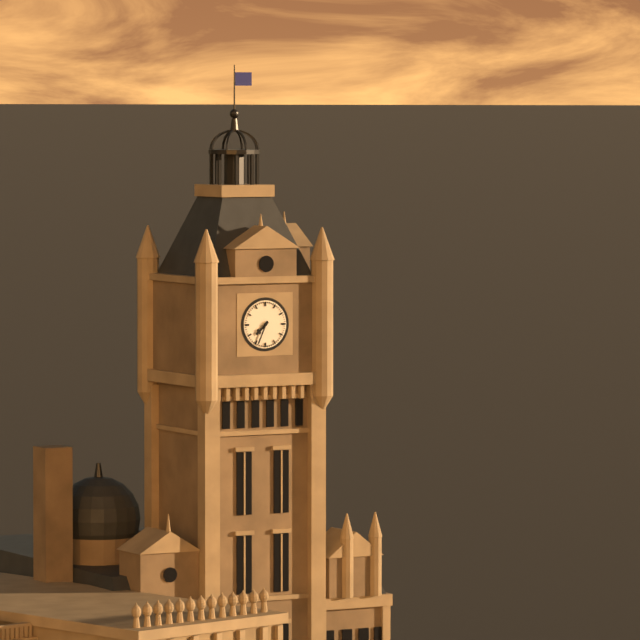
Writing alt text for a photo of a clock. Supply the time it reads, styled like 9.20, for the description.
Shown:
7.34
